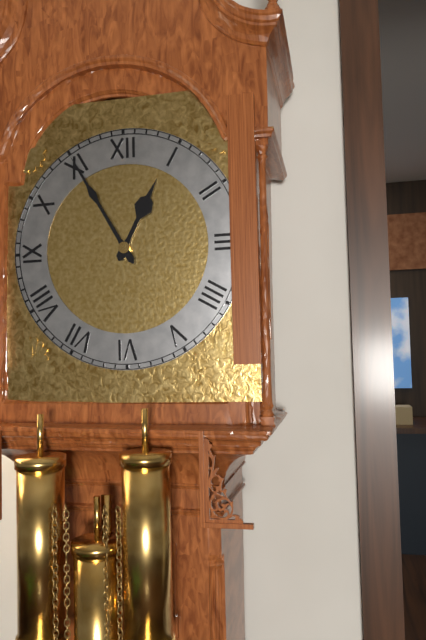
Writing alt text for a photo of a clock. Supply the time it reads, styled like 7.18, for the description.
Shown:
12.55
